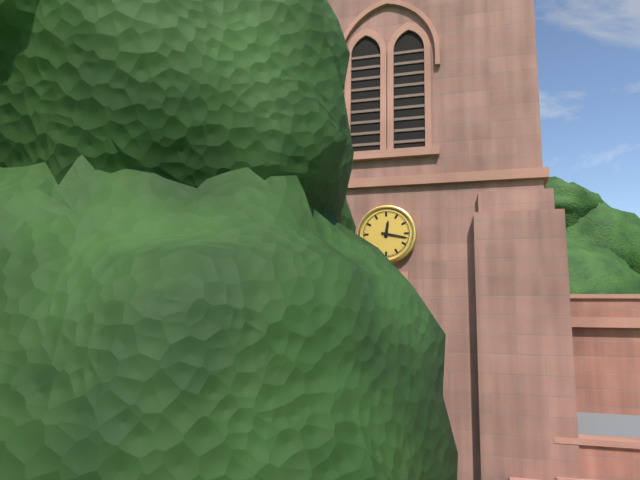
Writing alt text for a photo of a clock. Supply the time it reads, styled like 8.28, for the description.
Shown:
12.17
